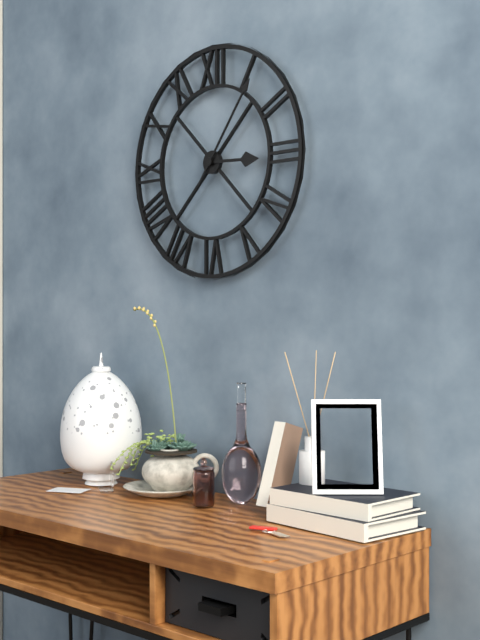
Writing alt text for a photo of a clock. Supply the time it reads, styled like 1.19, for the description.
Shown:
3.06
